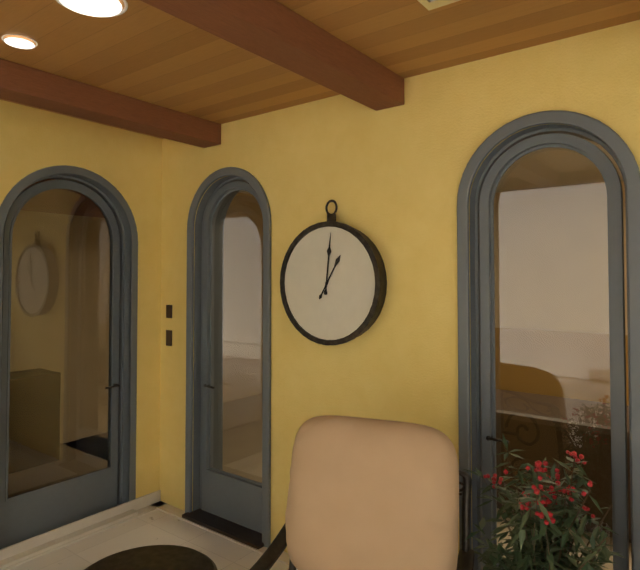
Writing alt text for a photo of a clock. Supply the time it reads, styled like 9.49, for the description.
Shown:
1.01
